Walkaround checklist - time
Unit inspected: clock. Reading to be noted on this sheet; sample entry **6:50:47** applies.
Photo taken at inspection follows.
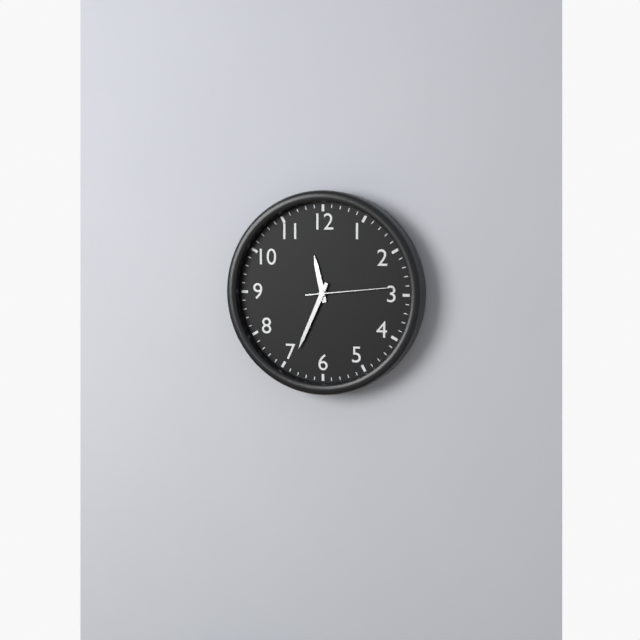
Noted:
**11:34:14**
